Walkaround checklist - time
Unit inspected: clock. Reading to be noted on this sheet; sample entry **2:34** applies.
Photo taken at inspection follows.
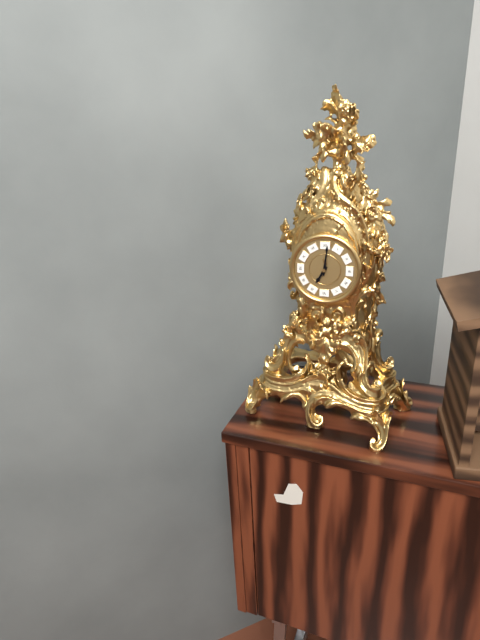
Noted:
**7:01**
